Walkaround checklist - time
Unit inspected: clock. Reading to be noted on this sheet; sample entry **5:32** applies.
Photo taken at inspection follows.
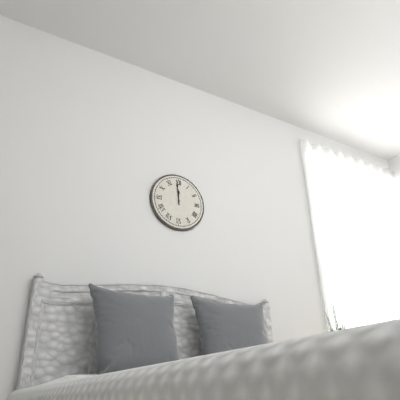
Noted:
**11:59**
